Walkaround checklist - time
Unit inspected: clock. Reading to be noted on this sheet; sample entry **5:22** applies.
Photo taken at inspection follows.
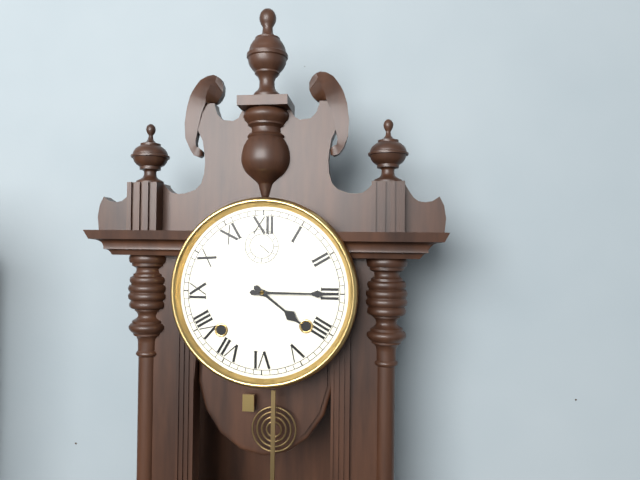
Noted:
**4:15**
